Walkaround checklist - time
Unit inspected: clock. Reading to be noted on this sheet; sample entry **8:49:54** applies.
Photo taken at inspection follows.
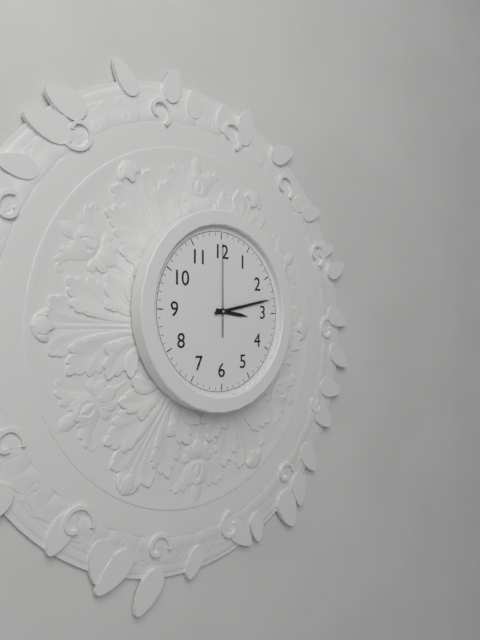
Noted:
**3:13:00**
